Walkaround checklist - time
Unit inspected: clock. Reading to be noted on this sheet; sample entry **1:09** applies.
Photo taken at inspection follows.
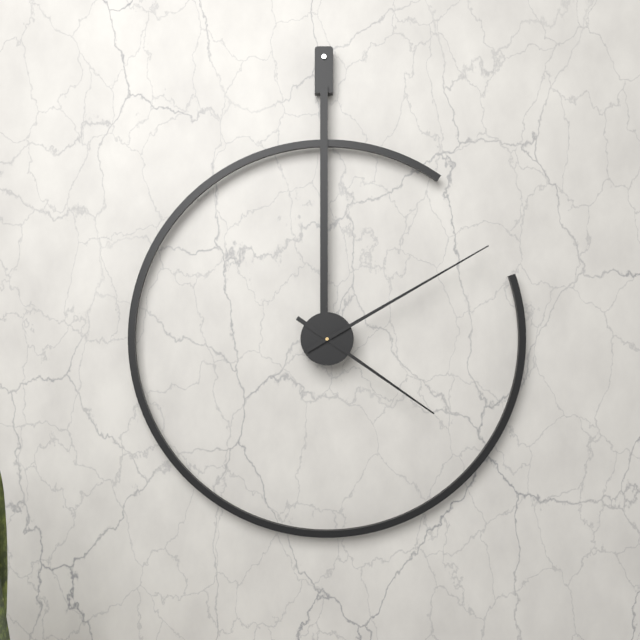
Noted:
**4:10**
